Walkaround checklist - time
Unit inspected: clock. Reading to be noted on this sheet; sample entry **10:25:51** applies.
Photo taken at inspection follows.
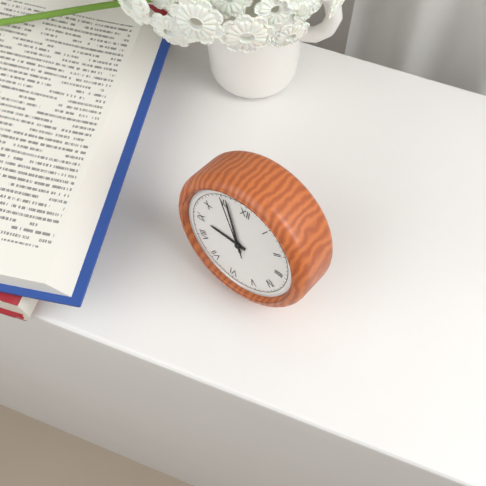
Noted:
**8:56:55**
